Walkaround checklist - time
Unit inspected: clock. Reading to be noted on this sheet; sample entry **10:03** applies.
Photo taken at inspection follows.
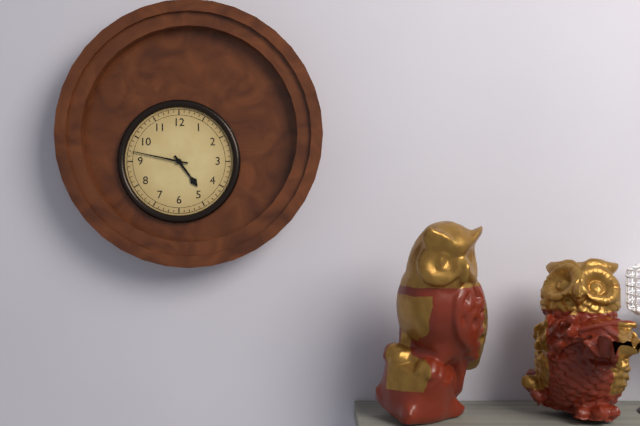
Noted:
**4:47**
